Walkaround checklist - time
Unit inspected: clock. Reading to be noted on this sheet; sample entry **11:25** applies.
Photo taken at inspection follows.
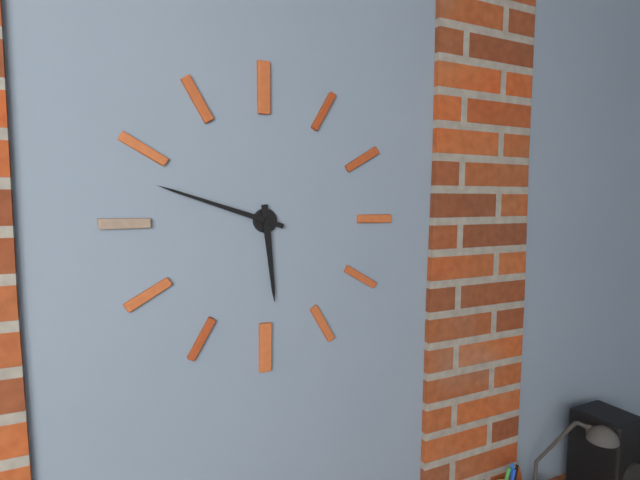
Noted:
**5:48**
